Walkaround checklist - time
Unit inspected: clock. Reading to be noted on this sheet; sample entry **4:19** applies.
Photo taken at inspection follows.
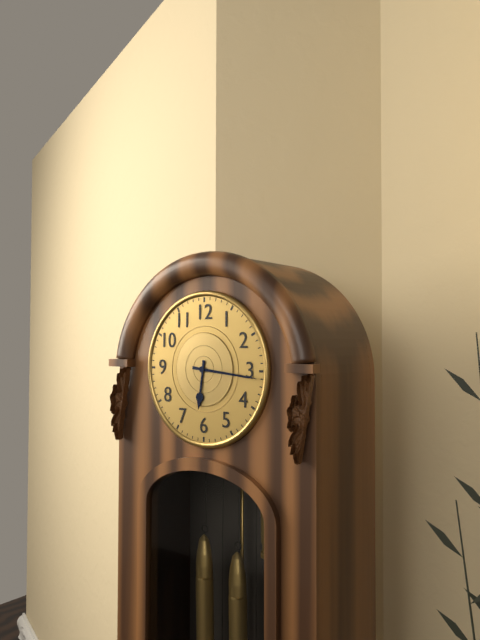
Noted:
**6:16**
